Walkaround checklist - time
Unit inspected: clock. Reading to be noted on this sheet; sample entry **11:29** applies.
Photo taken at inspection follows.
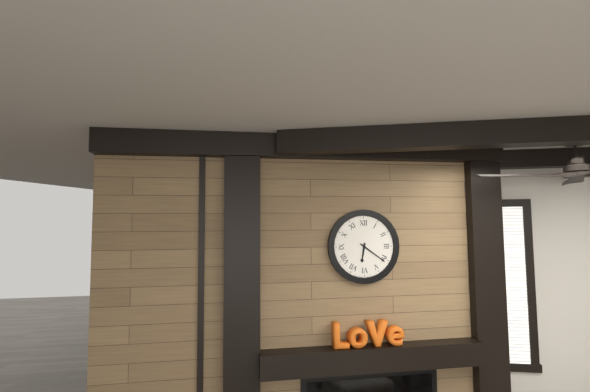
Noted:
**6:21**
